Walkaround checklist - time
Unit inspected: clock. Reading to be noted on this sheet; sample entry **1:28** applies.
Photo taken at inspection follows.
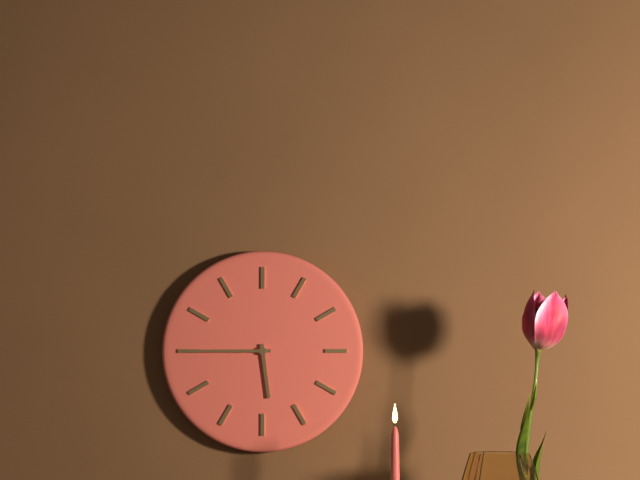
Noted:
**5:45**
